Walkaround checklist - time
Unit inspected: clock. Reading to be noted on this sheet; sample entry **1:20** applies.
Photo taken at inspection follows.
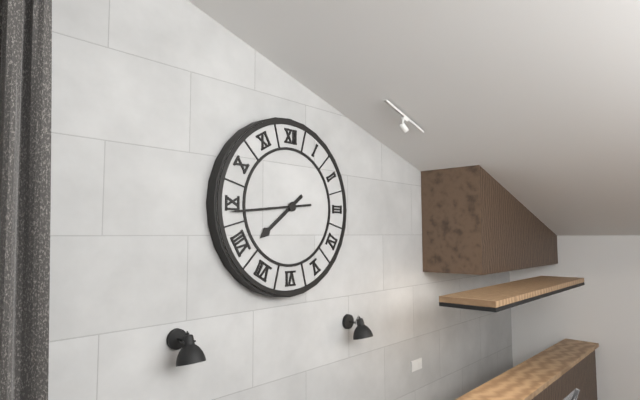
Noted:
**7:44**
